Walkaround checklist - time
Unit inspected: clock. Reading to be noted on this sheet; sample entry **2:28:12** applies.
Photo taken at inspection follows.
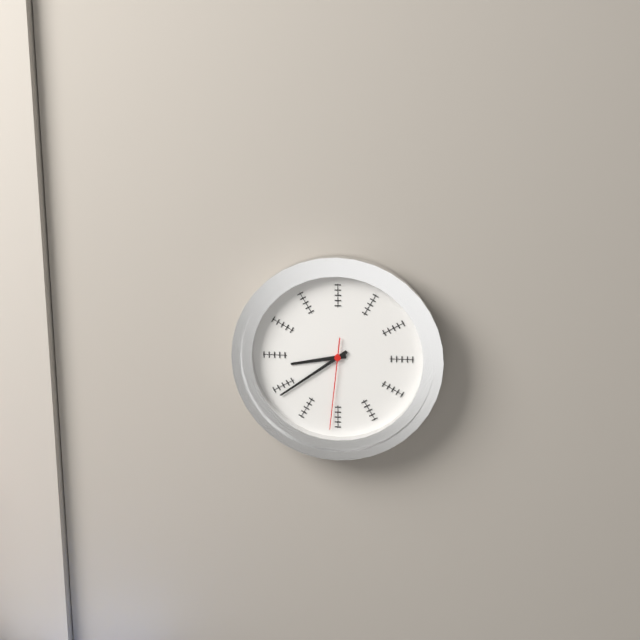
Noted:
**8:39:31**
